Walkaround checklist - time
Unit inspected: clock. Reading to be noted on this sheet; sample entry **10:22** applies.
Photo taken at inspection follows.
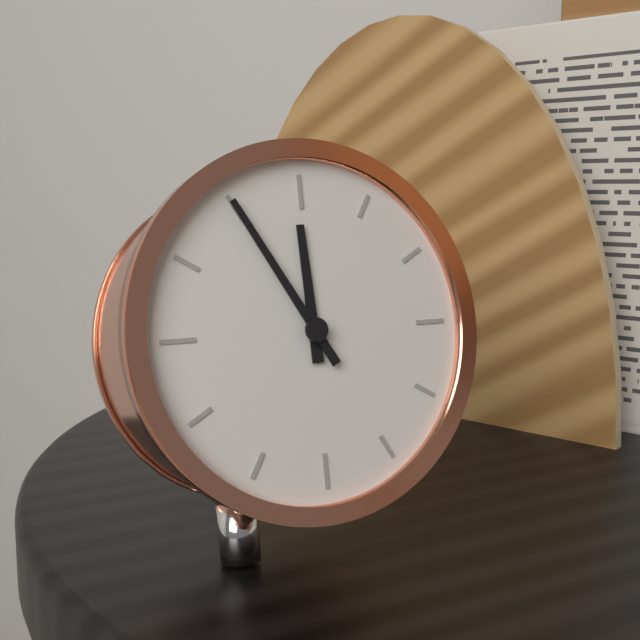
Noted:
**11:55**
